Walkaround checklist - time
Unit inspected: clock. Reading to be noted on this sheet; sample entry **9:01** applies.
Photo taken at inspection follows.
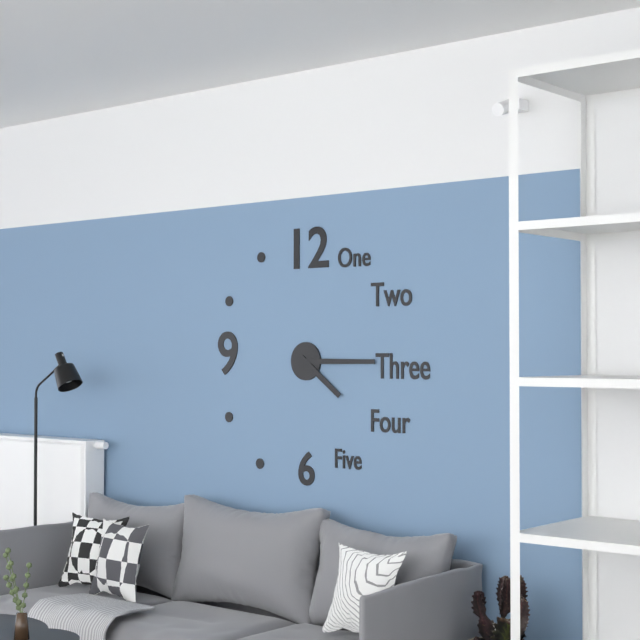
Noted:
**4:15**
